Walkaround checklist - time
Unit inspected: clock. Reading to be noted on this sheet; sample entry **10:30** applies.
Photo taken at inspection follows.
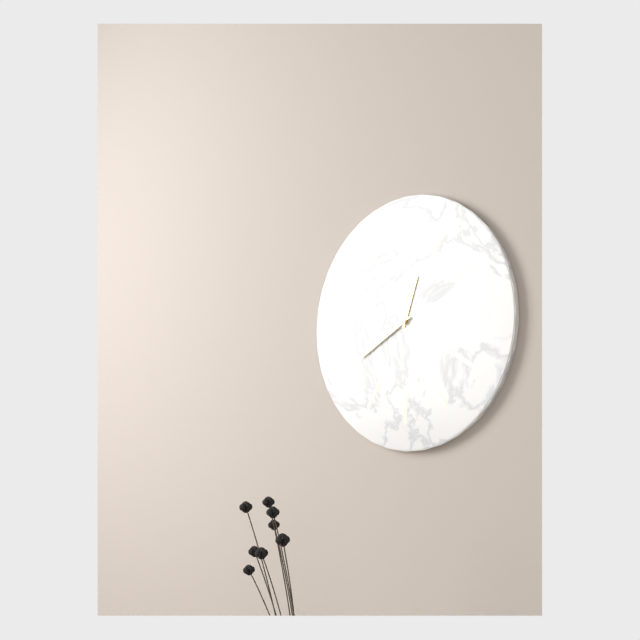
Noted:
**12:40**
